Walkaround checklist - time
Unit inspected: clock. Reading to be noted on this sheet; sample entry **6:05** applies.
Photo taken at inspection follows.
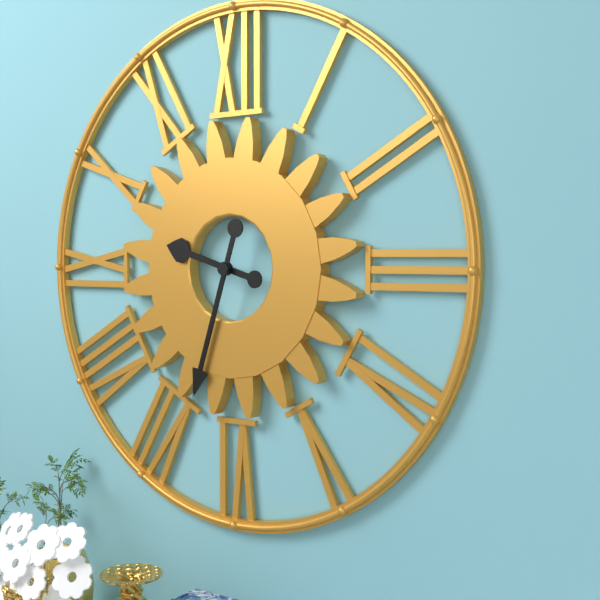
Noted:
**9:33**
